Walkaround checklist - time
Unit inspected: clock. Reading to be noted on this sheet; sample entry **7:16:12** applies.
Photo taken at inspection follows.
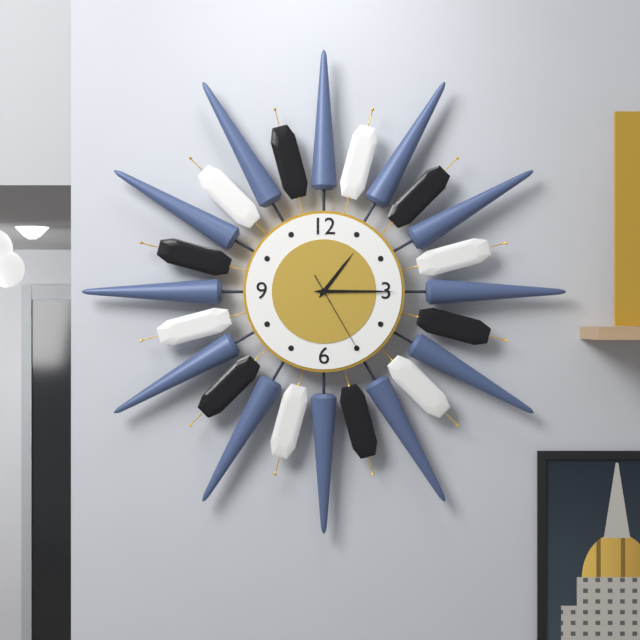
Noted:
**1:15:25**
